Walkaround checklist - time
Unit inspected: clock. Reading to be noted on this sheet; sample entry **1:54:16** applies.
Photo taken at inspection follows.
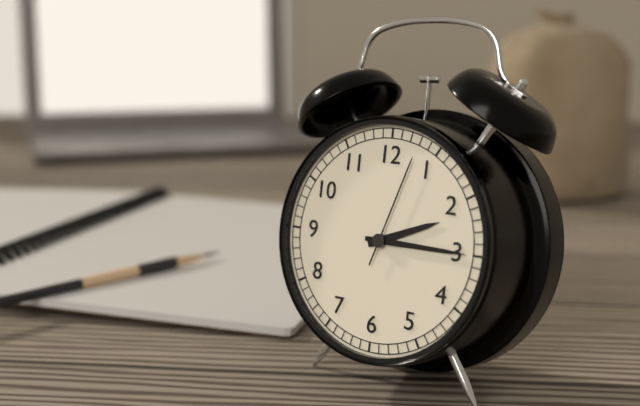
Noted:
**2:15:03**
